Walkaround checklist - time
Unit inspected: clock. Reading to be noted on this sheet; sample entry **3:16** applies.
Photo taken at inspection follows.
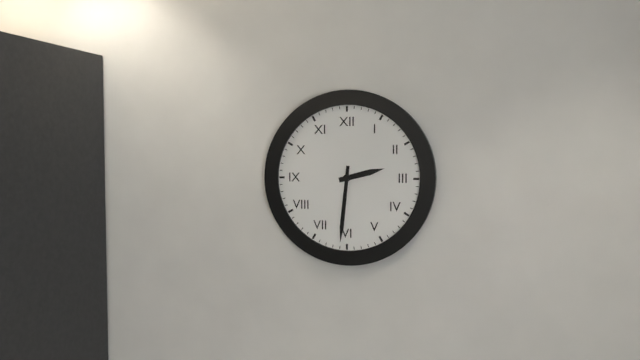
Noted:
**2:31**
